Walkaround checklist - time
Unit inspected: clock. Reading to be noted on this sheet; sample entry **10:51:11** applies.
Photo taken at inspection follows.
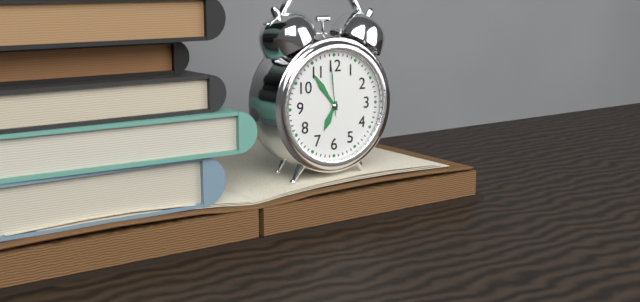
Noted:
**6:54:59**
